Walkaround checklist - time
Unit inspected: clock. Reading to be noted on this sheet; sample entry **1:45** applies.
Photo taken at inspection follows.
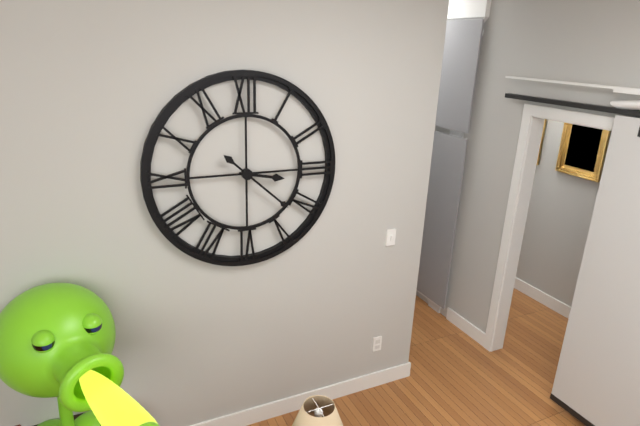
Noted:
**3:22**
